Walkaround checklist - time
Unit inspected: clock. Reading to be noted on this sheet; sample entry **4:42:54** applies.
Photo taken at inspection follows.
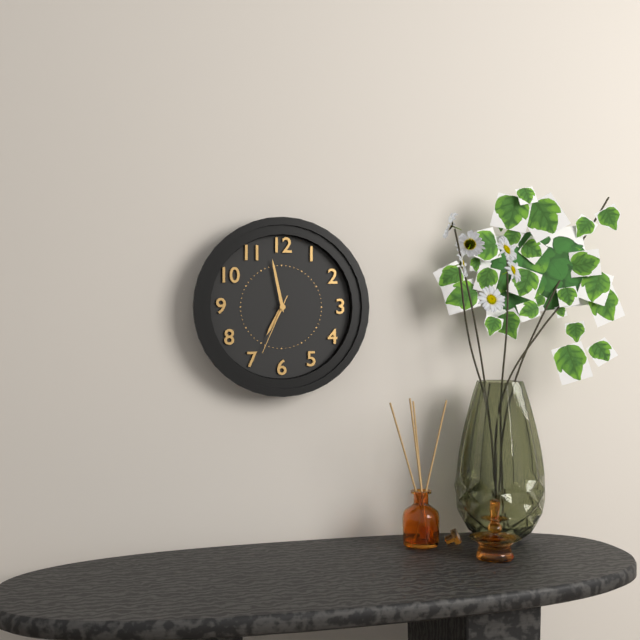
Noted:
**6:58:34**
